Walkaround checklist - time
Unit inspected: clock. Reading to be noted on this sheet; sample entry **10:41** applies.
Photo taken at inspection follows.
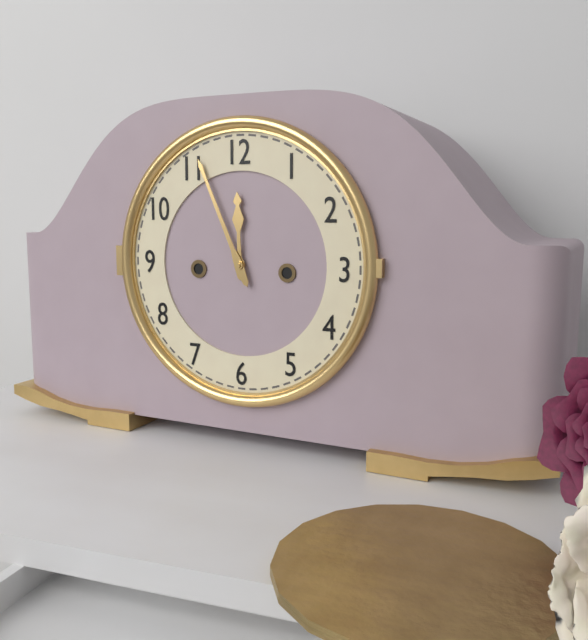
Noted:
**11:56**
